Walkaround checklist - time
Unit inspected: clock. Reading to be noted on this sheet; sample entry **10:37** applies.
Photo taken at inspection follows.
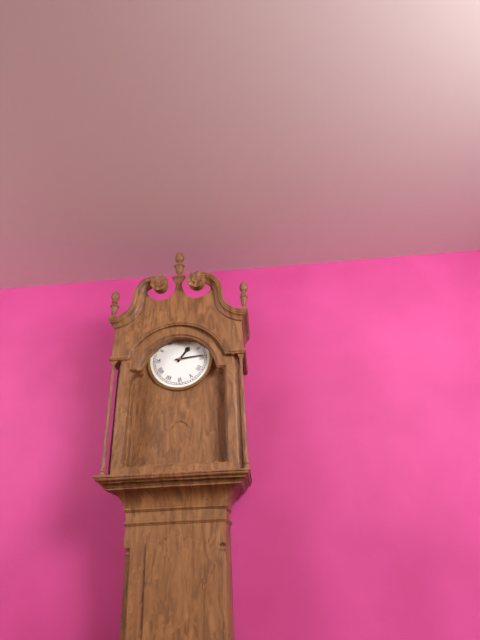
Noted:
**1:14**
